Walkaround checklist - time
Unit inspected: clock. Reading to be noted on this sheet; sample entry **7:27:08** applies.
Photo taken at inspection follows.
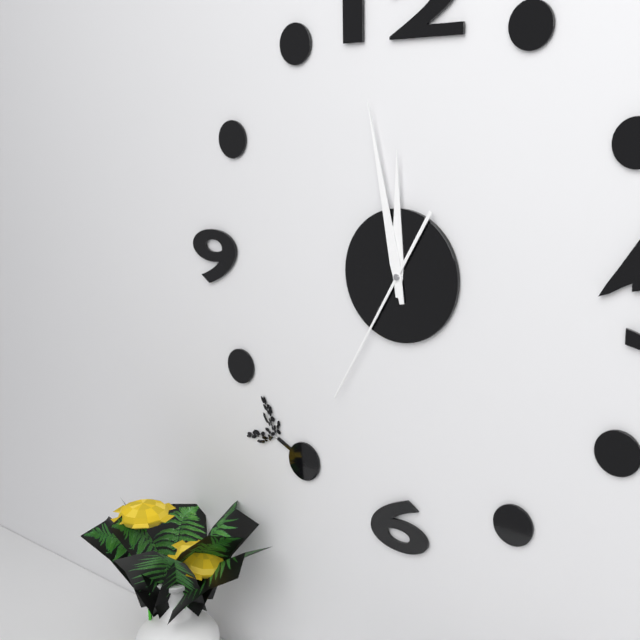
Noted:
**11:58:35**
